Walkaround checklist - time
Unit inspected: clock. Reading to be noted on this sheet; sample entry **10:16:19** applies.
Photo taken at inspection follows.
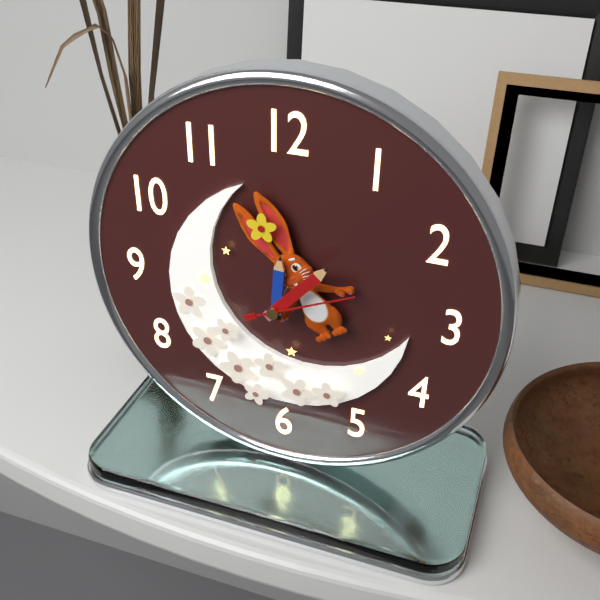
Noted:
**12:07:11**
